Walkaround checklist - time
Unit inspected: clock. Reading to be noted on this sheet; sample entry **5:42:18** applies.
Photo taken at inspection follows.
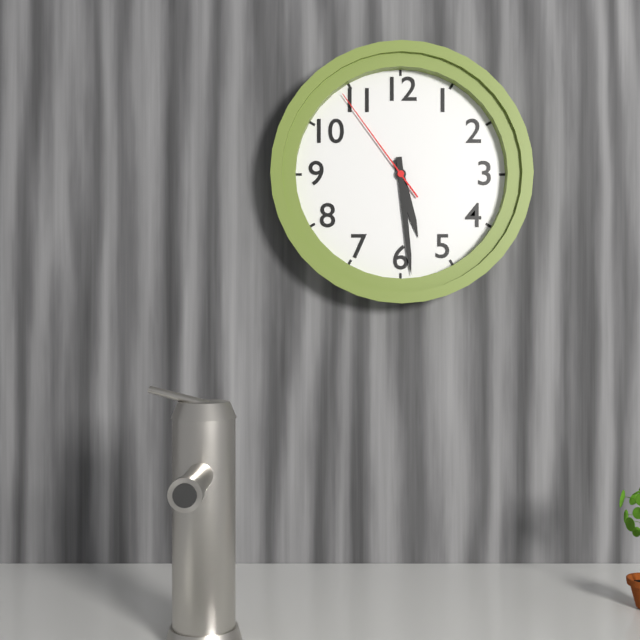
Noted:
**5:29:54**
